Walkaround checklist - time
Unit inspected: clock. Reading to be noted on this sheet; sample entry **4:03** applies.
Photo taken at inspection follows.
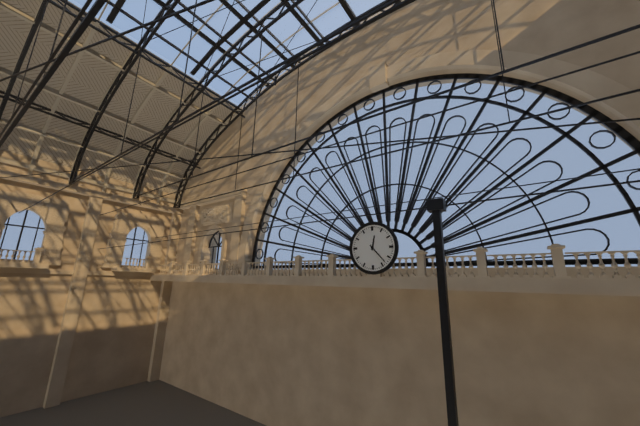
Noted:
**12:23**
